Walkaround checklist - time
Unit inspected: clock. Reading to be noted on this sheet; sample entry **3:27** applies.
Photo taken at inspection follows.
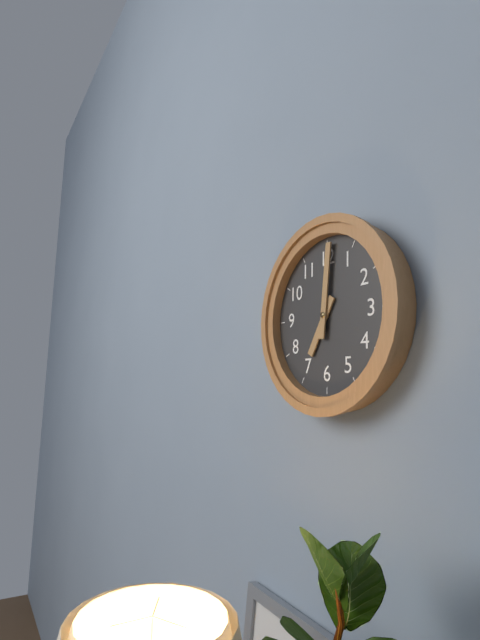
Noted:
**7:01**
